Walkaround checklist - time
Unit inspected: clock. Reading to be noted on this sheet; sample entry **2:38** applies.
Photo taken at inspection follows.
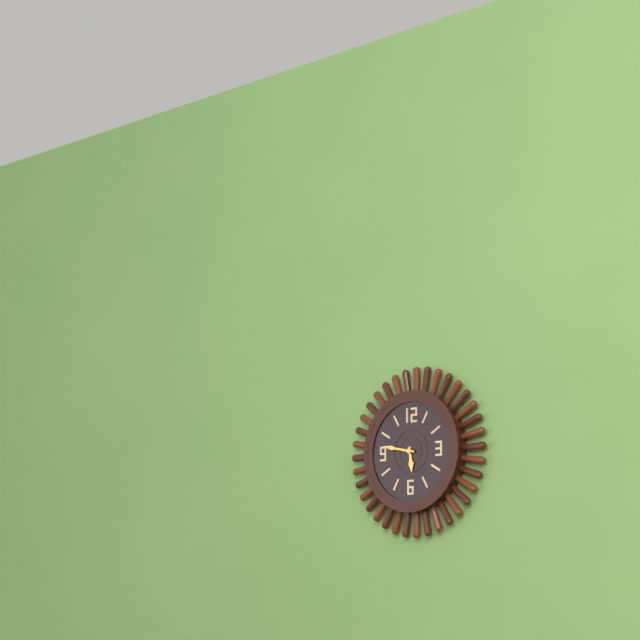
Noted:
**5:47**
